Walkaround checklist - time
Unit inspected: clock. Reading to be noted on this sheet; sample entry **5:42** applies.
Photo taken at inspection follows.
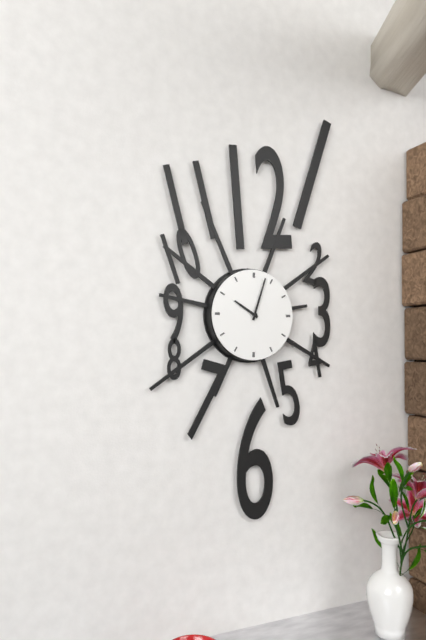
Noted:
**10:03**
